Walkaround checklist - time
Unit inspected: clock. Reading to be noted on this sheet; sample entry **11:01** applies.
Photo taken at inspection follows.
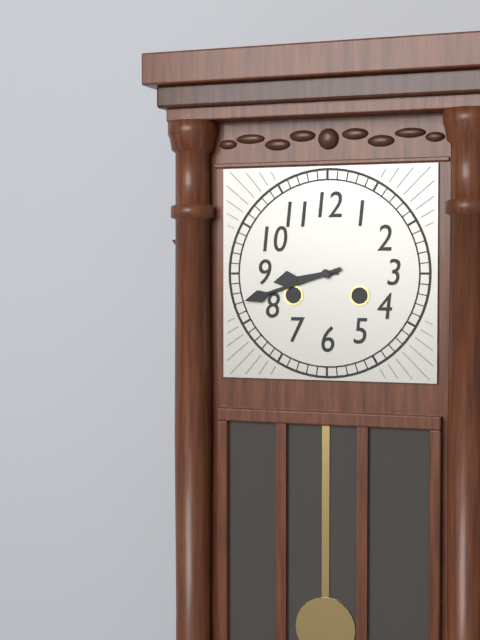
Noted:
**8:42**
